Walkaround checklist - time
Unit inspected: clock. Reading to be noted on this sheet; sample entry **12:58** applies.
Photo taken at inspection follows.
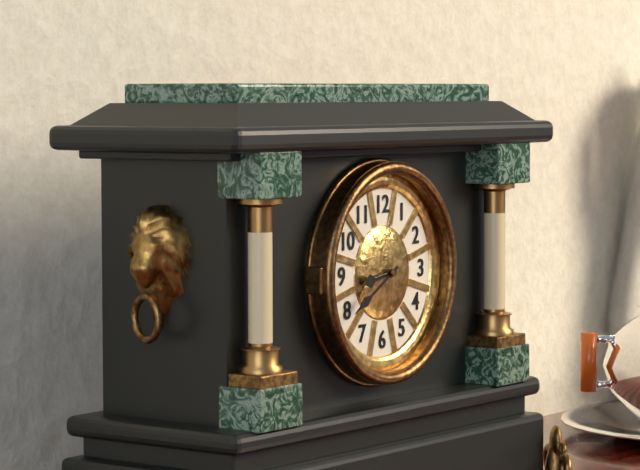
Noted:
**8:40**
